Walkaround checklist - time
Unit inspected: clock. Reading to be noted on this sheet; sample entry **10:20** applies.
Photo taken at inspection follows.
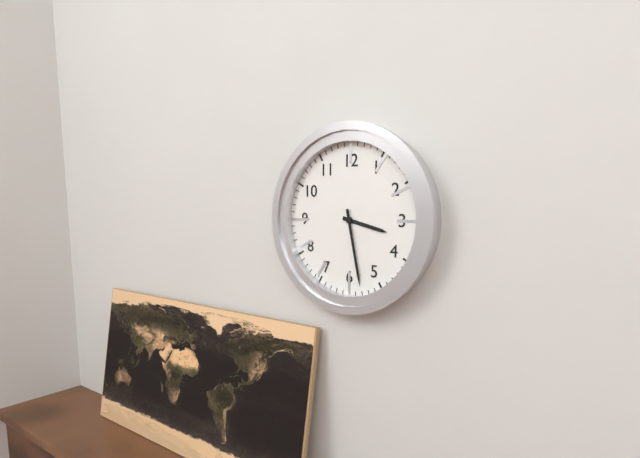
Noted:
**3:28**
